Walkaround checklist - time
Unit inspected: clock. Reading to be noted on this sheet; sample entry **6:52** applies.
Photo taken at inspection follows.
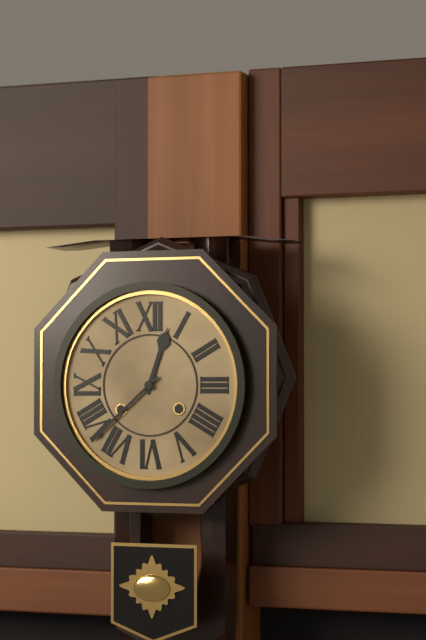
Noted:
**12:38**
